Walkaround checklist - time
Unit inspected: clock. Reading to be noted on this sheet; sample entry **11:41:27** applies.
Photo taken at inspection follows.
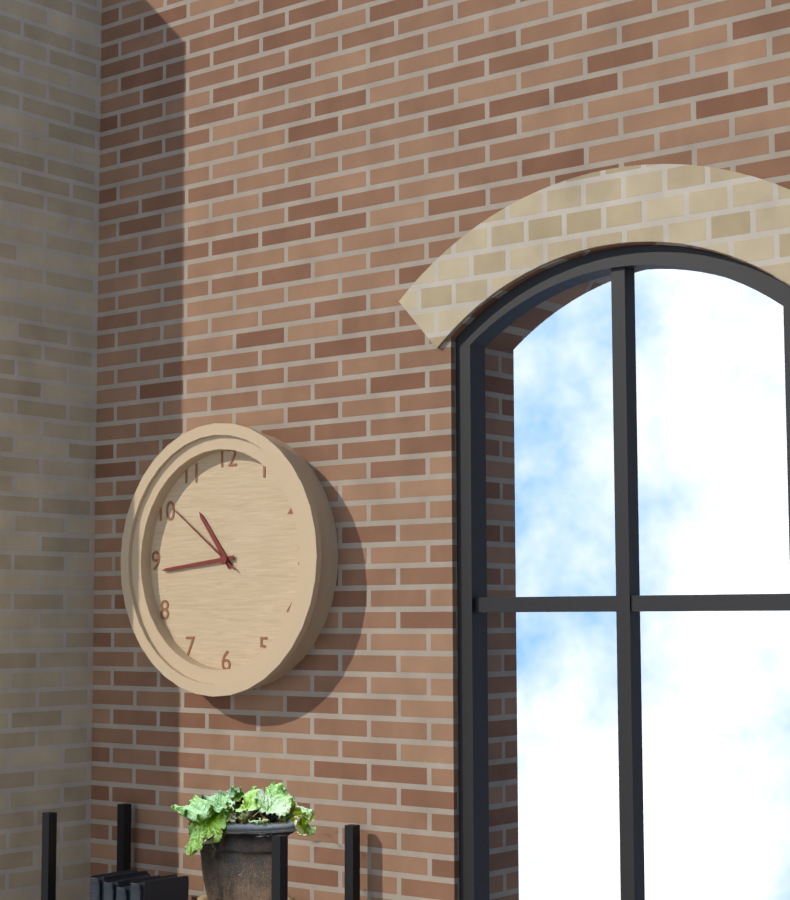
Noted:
**10:44:51**
